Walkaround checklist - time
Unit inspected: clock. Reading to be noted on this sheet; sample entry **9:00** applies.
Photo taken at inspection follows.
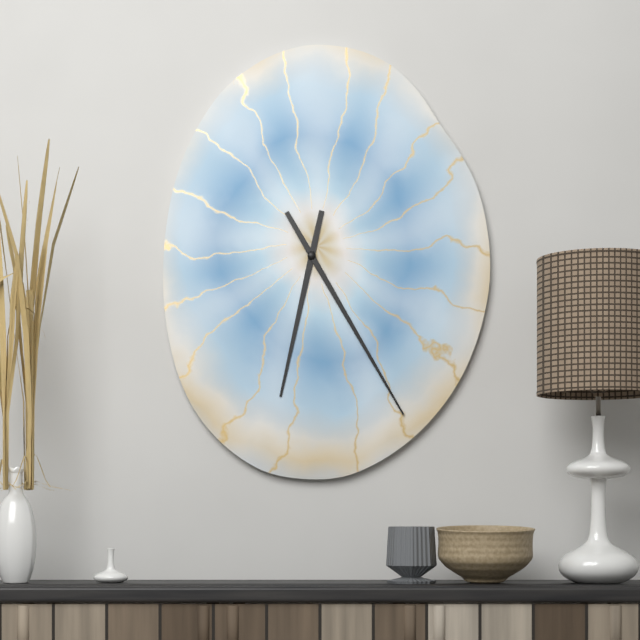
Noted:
**6:25**
